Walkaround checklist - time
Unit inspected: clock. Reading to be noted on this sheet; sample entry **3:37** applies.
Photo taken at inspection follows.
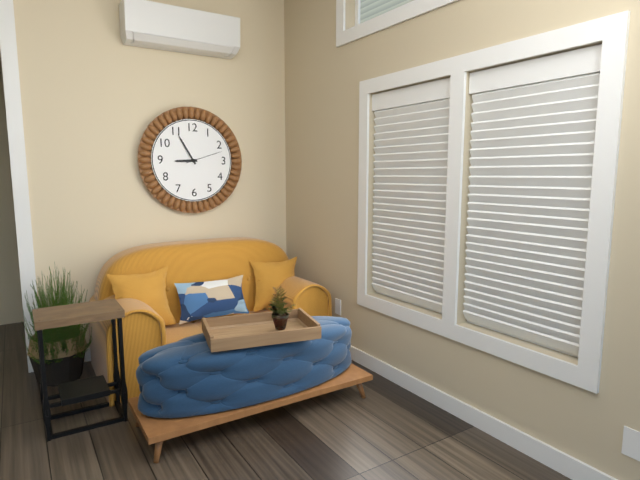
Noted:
**8:55**
